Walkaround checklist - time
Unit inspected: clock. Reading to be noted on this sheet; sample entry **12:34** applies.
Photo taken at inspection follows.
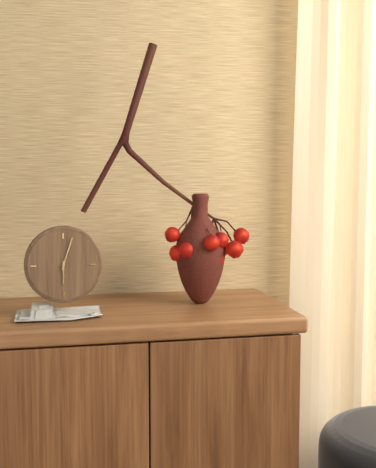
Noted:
**6:03**
